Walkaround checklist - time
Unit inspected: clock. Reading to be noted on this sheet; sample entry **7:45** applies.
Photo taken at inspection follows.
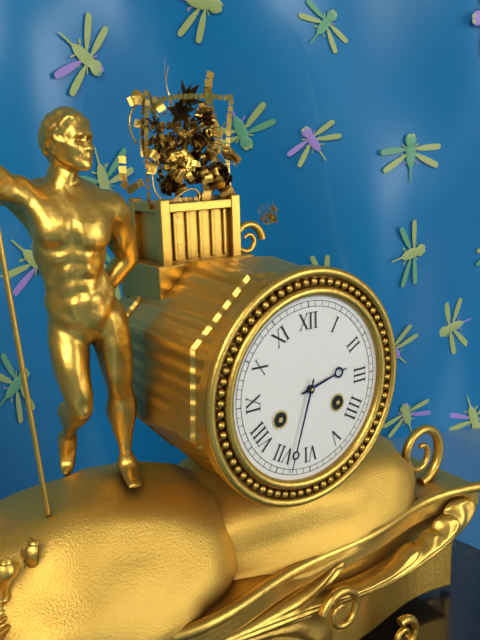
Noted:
**2:33**
